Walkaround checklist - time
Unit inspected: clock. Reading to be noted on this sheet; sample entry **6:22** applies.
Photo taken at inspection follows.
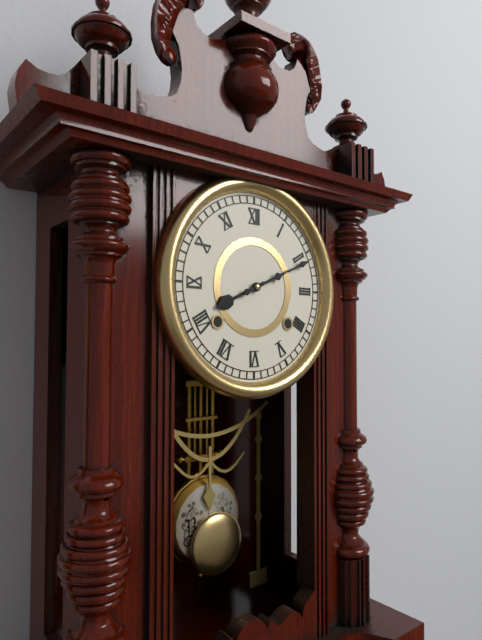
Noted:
**8:11**
